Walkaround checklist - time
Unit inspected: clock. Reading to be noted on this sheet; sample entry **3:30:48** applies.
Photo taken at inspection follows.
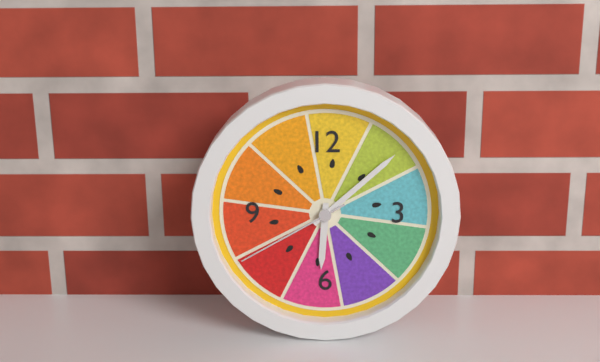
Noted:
**6:08:40**
